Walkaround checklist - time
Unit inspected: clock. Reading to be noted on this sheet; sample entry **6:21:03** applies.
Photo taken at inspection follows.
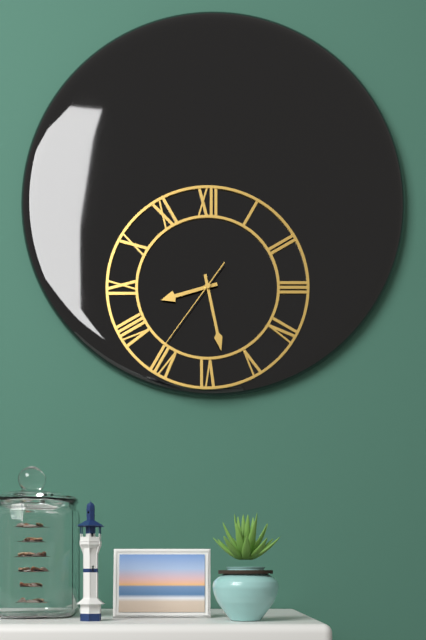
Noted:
**8:28:36**
